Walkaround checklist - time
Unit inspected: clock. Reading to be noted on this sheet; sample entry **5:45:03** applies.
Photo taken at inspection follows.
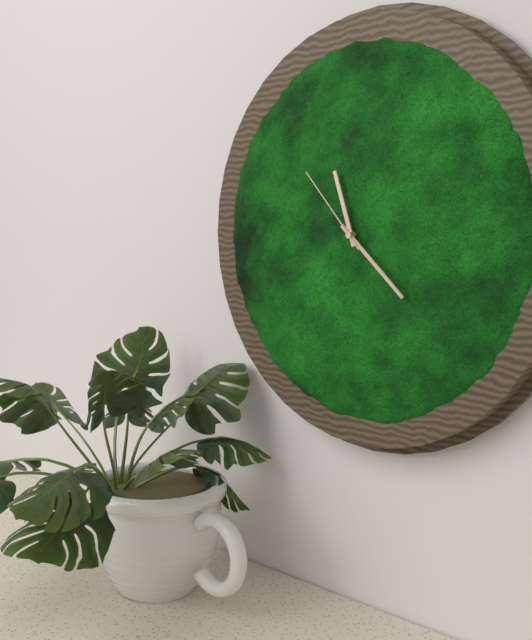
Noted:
**11:22:53**
